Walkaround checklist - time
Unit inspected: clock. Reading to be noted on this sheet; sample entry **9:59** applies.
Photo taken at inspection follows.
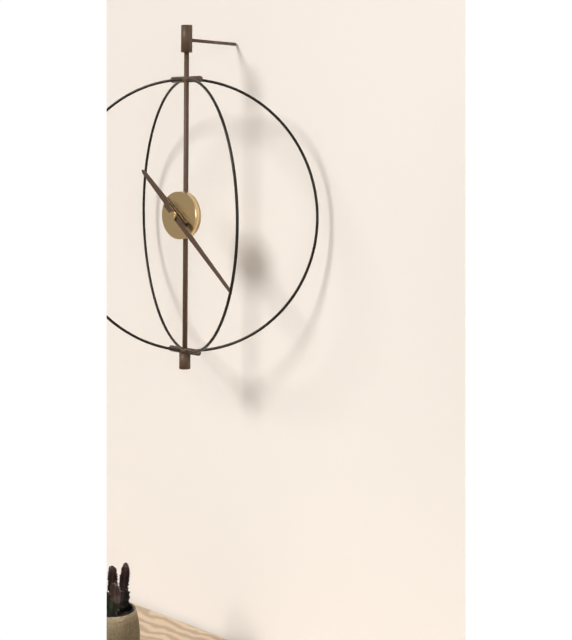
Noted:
**10:22**
